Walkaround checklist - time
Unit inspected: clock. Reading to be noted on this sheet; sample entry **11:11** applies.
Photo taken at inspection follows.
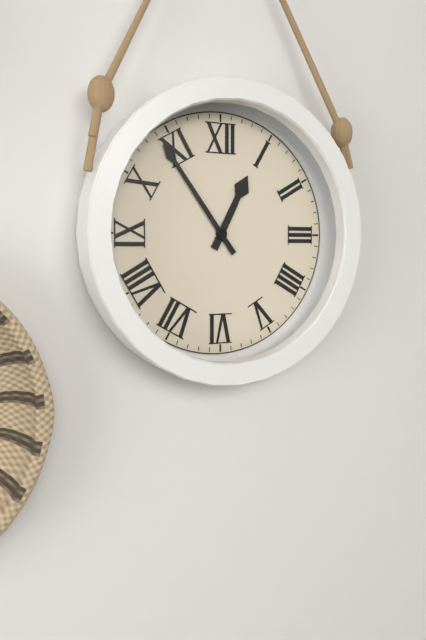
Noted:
**12:54**
